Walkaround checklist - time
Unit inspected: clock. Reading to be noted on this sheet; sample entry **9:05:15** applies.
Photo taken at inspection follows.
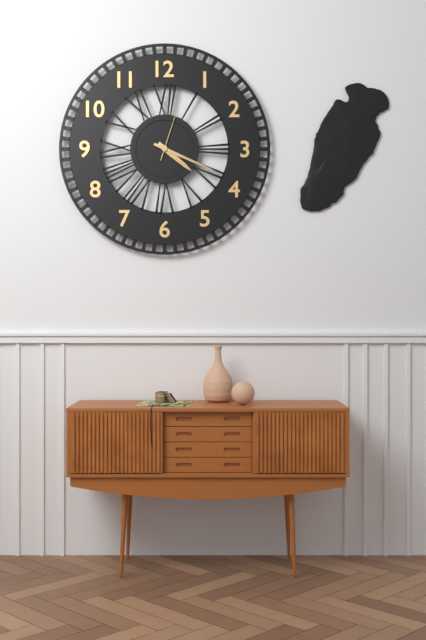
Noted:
**4:19:03**
